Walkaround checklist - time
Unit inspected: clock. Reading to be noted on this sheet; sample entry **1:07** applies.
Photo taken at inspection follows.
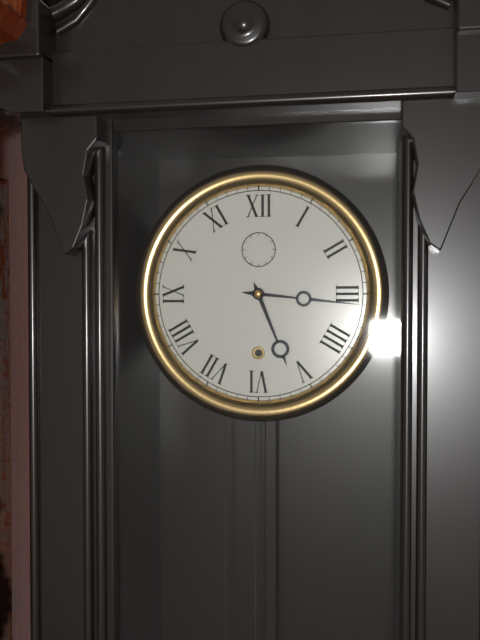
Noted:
**5:16**
